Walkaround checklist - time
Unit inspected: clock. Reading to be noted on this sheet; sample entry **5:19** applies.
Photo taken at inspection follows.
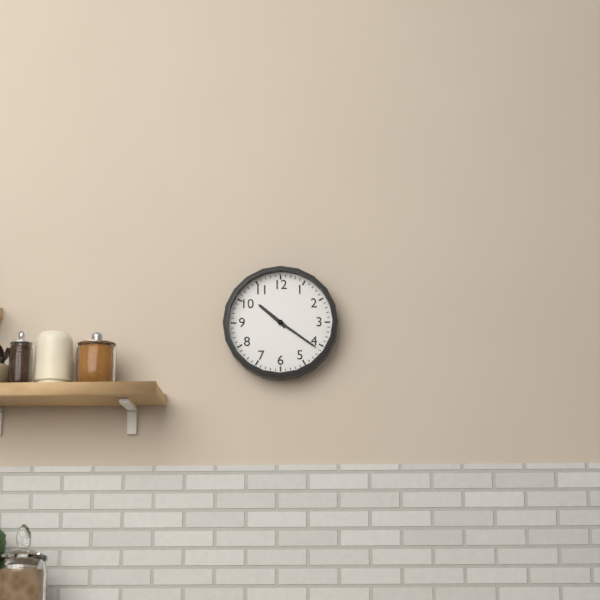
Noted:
**10:21**
